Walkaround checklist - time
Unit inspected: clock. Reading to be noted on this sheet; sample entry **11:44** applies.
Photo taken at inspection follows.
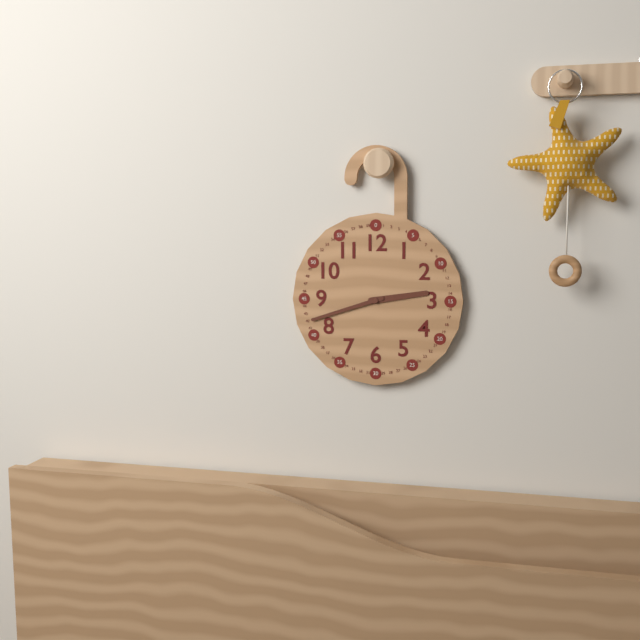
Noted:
**2:42**
